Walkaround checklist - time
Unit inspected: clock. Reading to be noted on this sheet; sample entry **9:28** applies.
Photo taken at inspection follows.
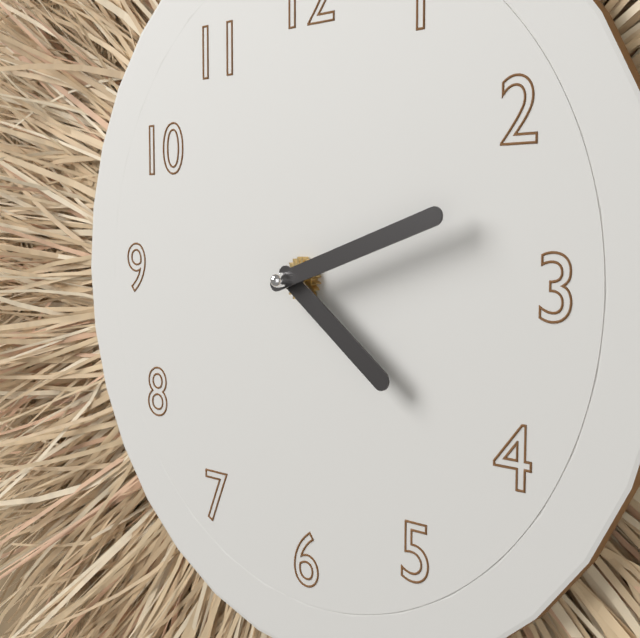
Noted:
**4:12**
